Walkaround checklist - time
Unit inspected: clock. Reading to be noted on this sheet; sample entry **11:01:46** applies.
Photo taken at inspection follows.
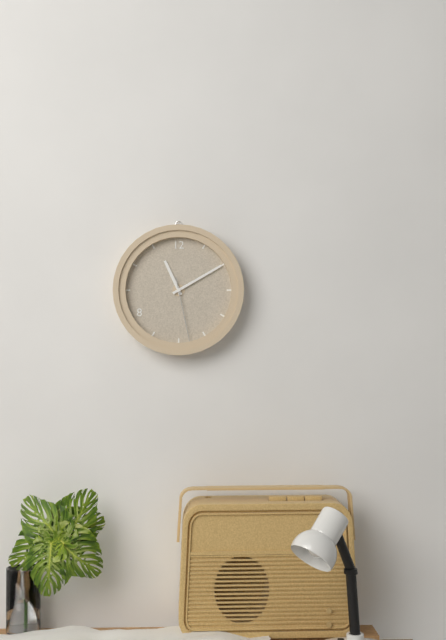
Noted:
**11:10:28**
